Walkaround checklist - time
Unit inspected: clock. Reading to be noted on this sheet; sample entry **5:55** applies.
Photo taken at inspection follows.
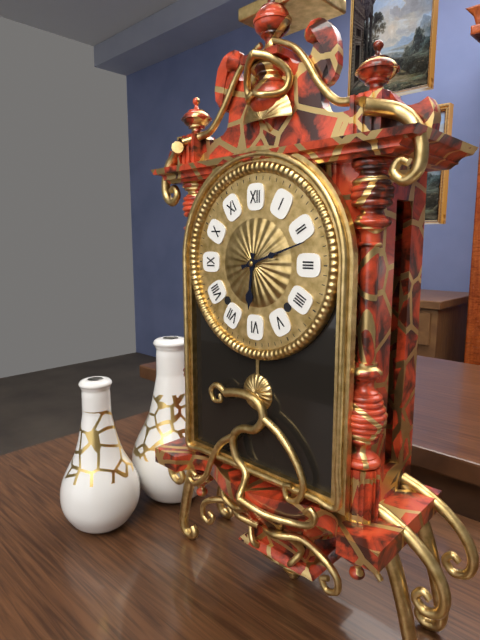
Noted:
**6:12**
